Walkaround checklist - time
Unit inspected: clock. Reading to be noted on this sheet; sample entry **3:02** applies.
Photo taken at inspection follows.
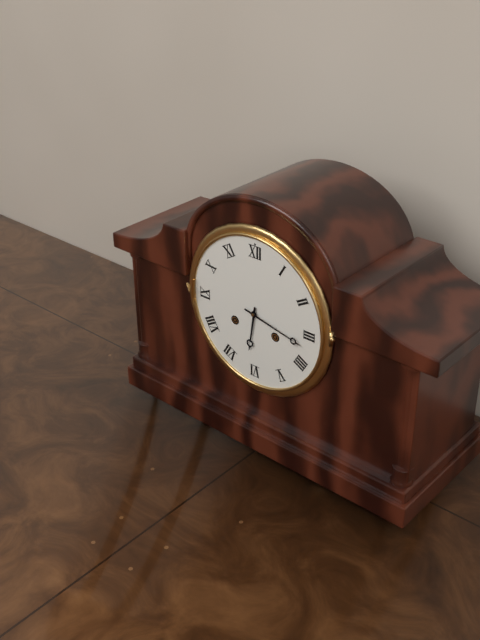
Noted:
**6:17**
